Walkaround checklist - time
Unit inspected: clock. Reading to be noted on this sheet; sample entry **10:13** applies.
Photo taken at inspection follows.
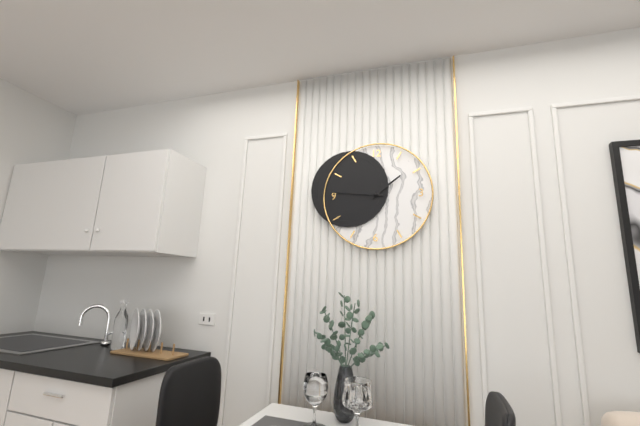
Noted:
**1:46**
